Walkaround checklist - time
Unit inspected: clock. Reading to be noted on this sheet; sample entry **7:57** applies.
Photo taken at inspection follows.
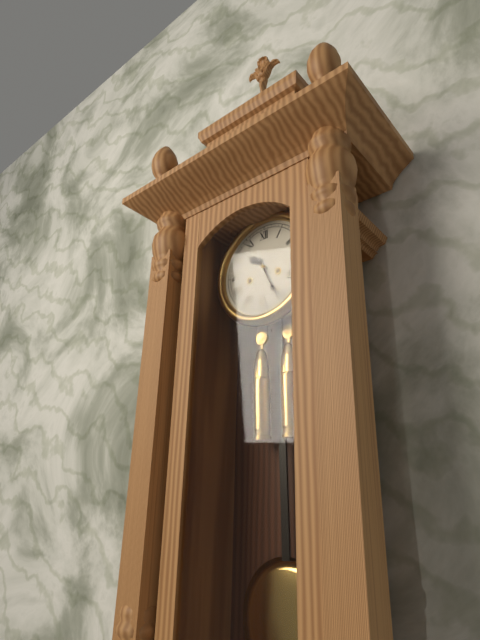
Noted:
**10:26**
